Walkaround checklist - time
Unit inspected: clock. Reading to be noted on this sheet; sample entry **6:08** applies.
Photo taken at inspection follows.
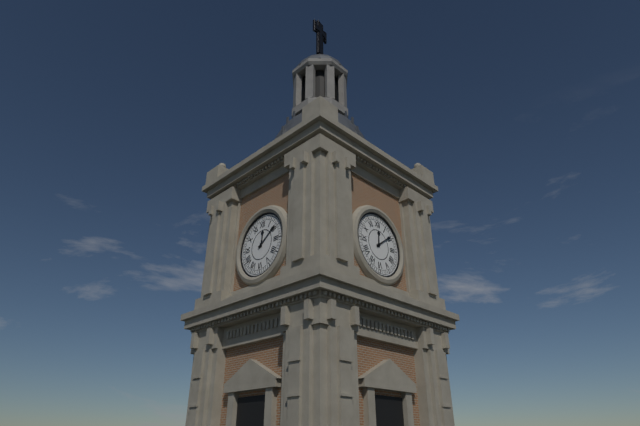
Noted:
**12:09**
